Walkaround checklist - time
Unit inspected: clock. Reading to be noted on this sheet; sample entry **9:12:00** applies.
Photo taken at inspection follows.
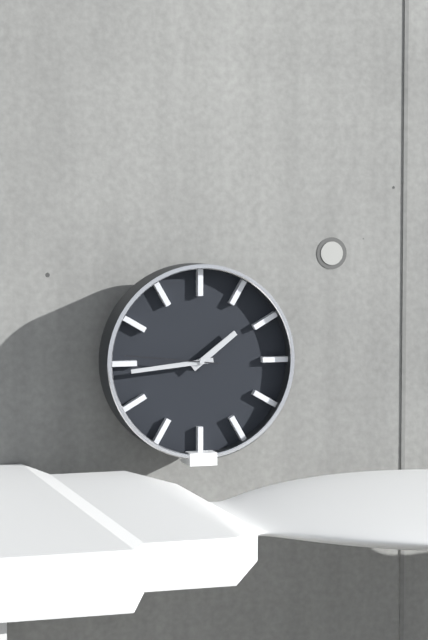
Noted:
**1:44:46**
